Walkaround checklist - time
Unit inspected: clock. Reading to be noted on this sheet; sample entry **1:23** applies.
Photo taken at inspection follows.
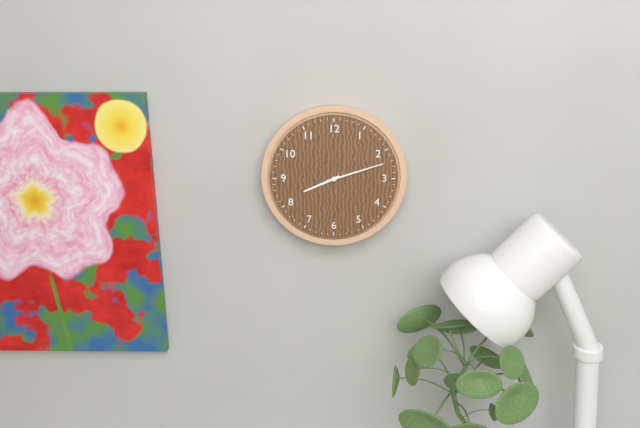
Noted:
**8:12**
